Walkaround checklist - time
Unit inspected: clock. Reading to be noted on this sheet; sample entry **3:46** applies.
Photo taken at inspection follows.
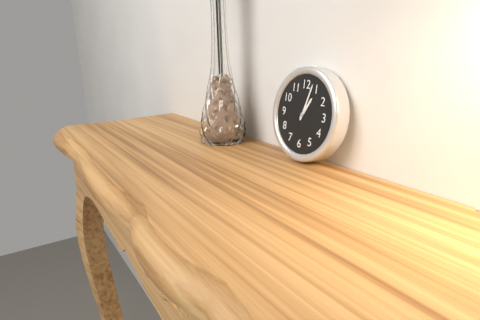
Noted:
**1:03**
